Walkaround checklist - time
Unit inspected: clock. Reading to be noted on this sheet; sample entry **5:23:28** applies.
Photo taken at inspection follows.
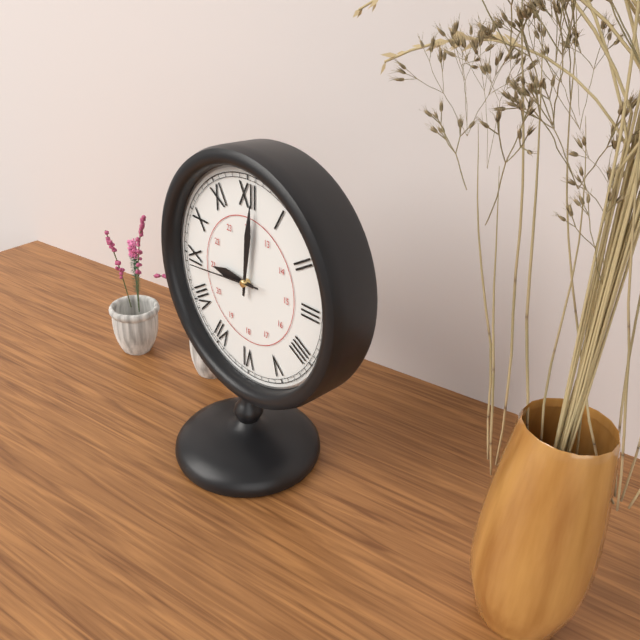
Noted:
**9:01:44**
